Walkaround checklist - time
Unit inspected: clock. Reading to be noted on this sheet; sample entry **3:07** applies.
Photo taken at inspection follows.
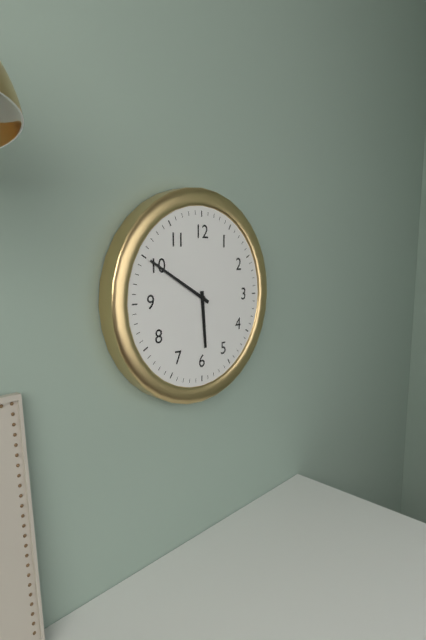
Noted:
**5:50**
